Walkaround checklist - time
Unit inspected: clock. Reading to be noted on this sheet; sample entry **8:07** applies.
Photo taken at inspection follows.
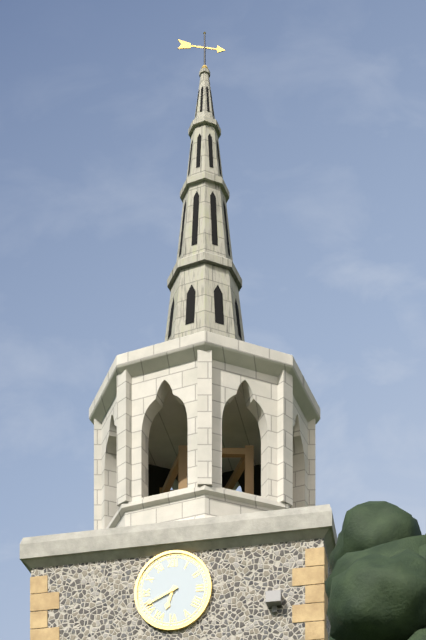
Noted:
**6:41**
